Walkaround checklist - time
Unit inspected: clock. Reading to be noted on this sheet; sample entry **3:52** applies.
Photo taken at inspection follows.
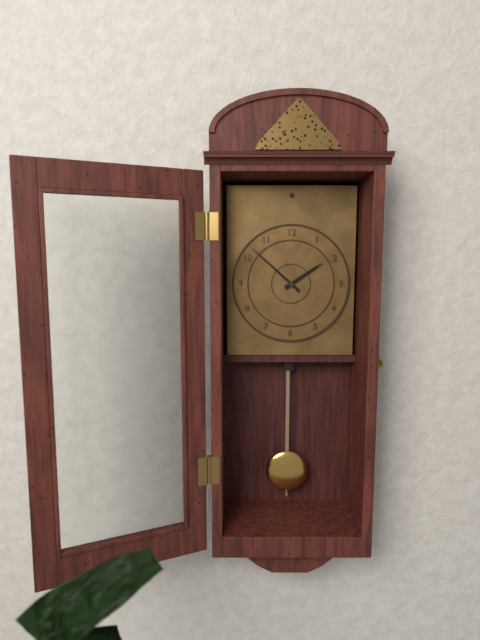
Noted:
**1:52**
